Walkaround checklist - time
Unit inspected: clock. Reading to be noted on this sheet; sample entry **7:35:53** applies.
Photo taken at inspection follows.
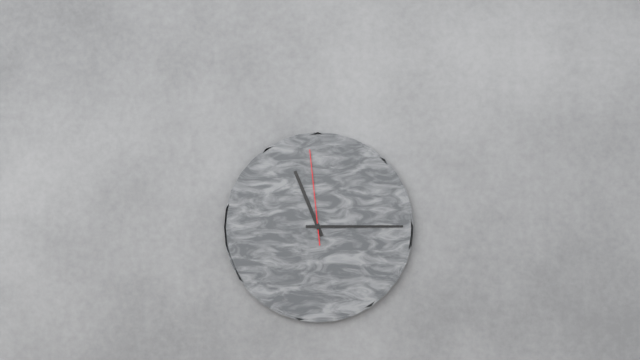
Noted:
**11:15:59**
